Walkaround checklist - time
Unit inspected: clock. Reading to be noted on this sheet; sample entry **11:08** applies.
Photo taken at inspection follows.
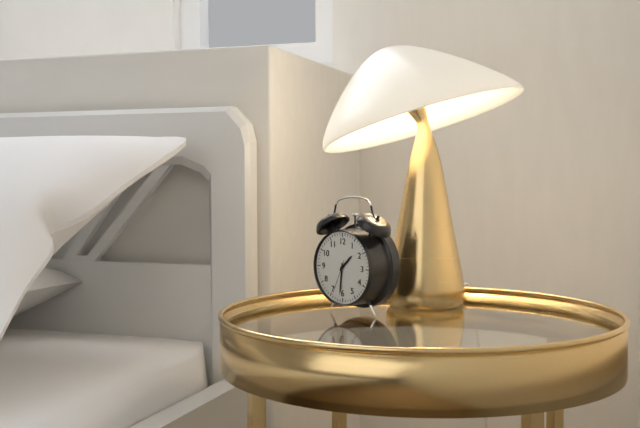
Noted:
**1:31**
